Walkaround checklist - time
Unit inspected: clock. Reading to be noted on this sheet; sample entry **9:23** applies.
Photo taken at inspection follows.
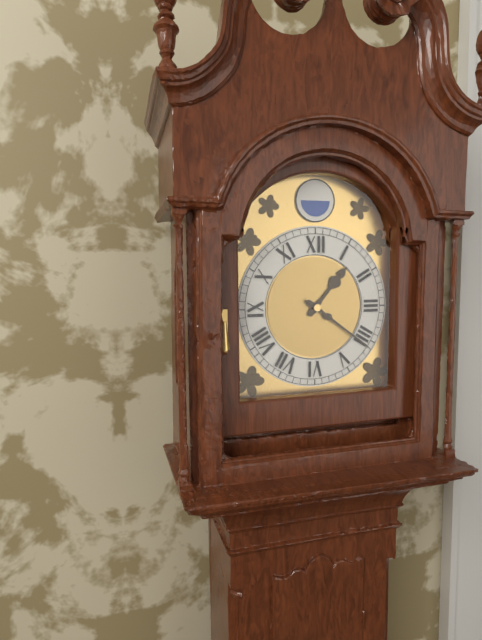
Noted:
**1:21**
